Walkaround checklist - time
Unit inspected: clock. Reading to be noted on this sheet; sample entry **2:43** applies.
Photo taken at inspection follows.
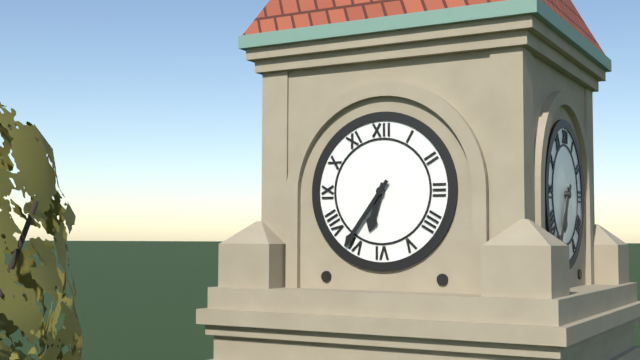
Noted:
**6:36**
